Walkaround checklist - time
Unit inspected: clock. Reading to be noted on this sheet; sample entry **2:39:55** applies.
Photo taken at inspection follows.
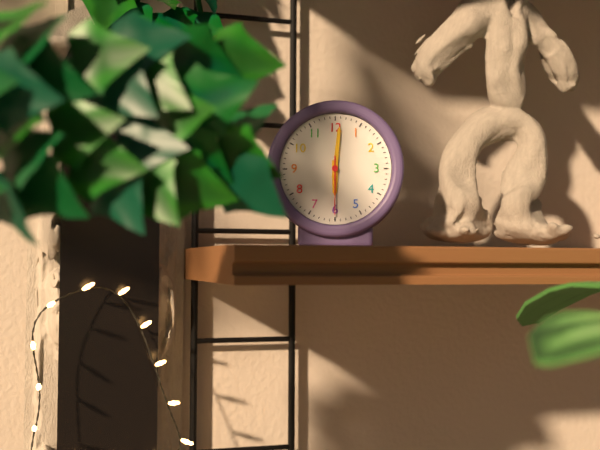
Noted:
**6:01:30**
